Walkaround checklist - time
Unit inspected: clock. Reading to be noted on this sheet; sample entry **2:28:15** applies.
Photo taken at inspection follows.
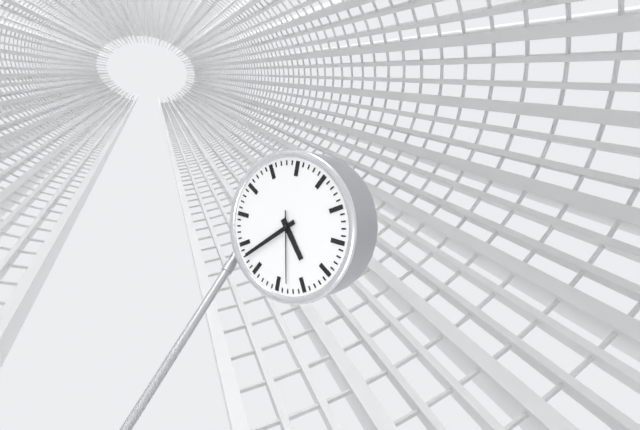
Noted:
**4:38:28**
